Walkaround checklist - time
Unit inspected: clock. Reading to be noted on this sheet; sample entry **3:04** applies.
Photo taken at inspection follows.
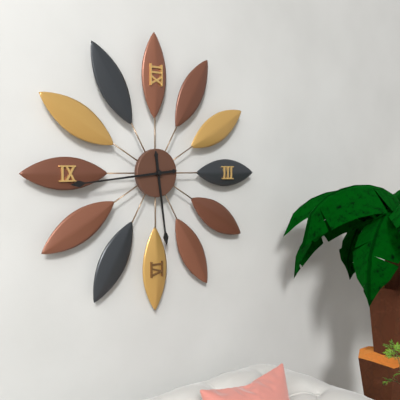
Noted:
**5:44**
